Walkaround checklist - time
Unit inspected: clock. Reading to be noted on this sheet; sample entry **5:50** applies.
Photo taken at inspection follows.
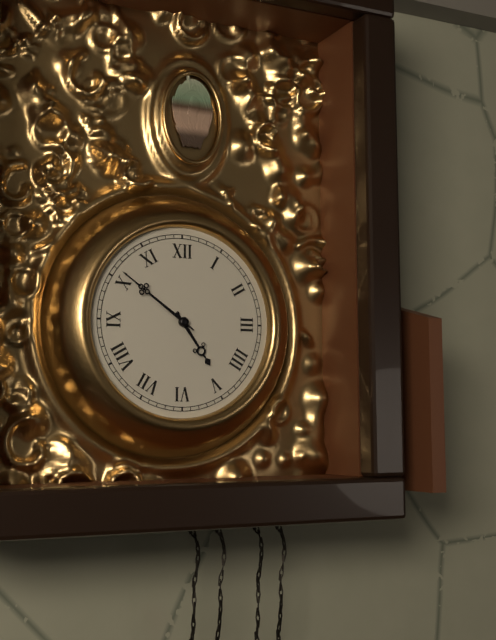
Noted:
**4:51**
